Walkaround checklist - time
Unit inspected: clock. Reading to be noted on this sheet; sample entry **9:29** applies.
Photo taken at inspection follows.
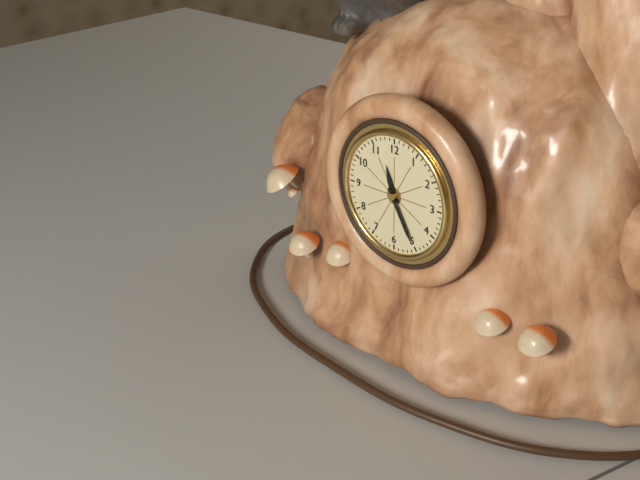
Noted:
**11:25**
